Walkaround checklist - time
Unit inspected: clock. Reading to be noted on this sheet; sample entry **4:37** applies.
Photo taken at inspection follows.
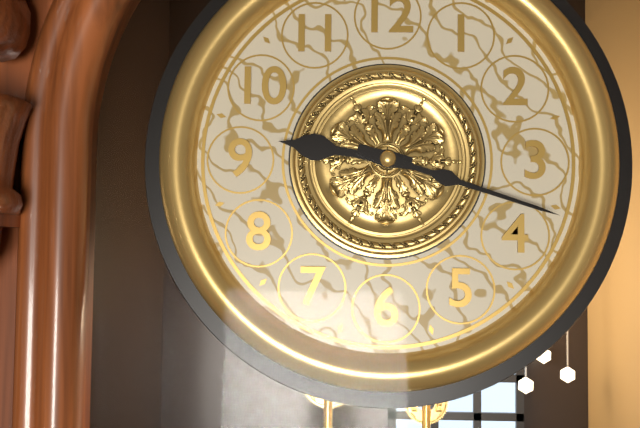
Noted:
**9:18**
